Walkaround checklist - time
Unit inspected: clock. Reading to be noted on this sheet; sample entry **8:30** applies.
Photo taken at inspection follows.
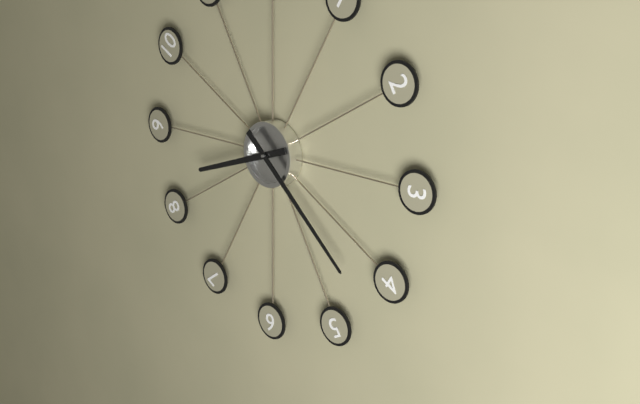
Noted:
**8:22**
